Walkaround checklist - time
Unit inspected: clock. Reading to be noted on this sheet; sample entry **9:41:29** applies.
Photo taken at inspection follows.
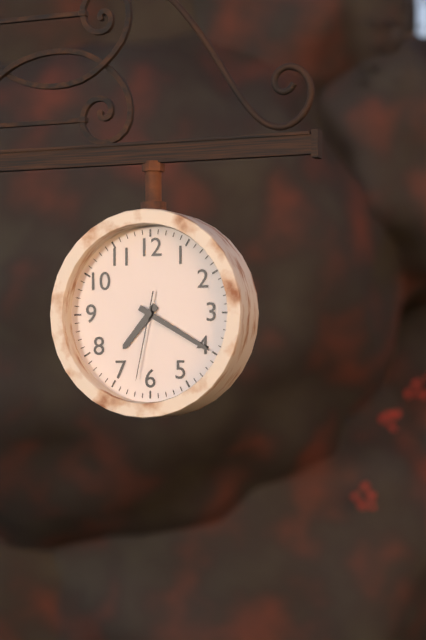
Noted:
**7:20:32**
